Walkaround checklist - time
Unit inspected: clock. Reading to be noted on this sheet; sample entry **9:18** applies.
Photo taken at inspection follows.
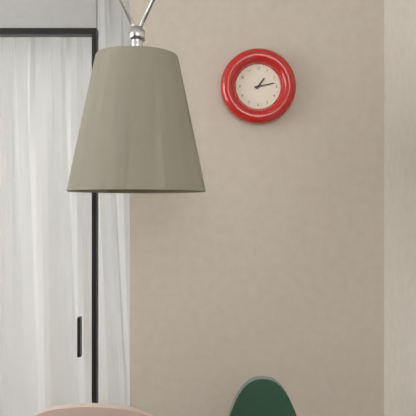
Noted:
**1:13**
